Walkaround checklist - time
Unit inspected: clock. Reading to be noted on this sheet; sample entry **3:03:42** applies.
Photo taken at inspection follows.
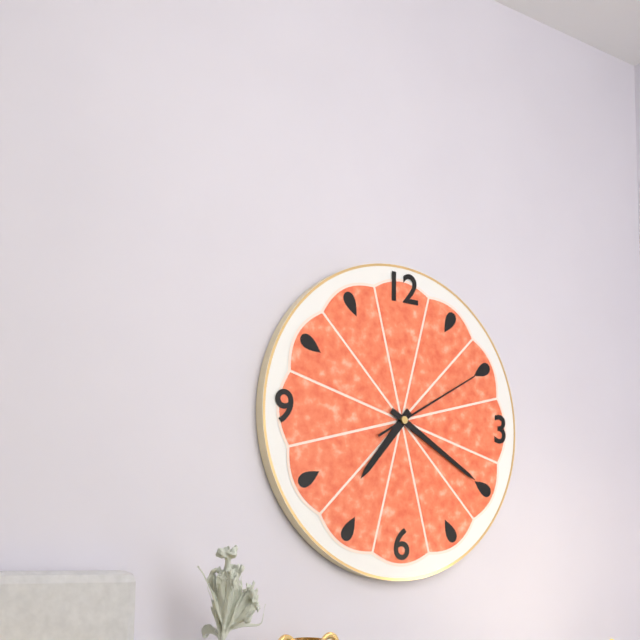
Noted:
**7:20:10**
